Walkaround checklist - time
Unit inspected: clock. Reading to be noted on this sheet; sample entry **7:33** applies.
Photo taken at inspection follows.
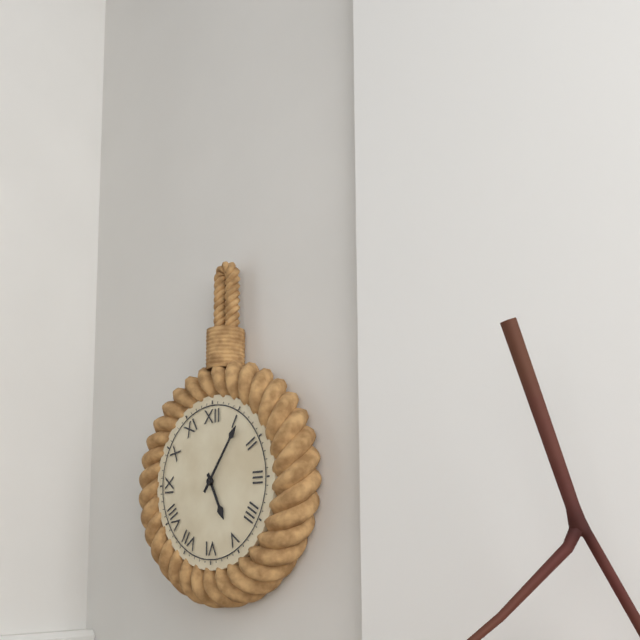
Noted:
**5:06**
